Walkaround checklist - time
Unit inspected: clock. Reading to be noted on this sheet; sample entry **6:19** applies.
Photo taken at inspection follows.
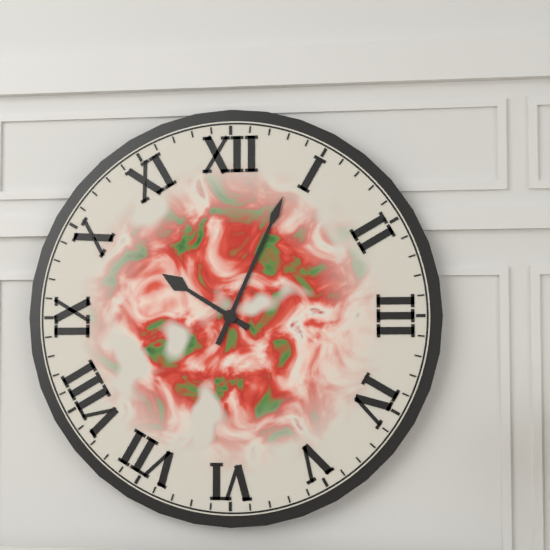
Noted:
**10:04**
